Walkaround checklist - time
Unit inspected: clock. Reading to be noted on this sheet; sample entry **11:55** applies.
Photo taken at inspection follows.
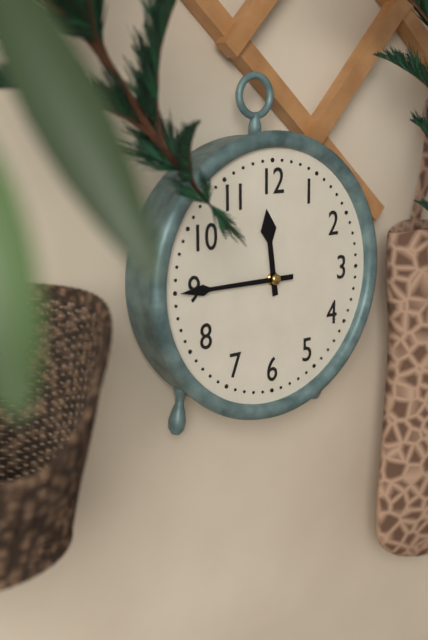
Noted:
**11:45**
